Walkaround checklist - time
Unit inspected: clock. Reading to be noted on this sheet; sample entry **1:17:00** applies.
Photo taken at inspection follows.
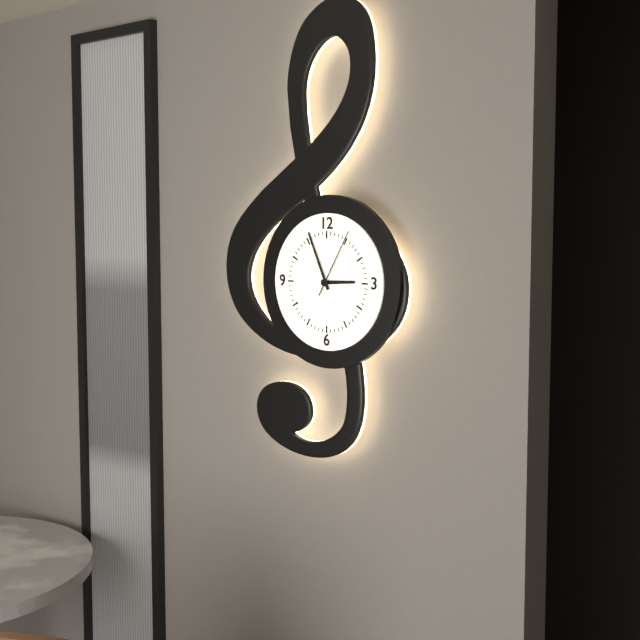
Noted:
**2:56:05**
